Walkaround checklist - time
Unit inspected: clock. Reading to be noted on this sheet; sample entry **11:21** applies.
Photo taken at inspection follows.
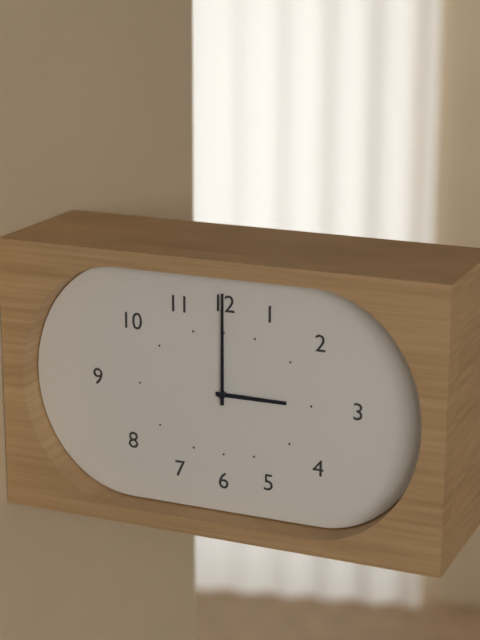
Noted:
**3:00**
